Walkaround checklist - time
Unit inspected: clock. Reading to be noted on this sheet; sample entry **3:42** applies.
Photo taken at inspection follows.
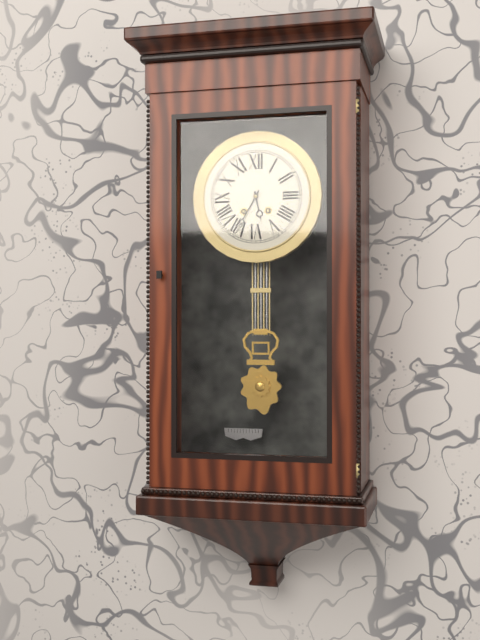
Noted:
**5:35**
